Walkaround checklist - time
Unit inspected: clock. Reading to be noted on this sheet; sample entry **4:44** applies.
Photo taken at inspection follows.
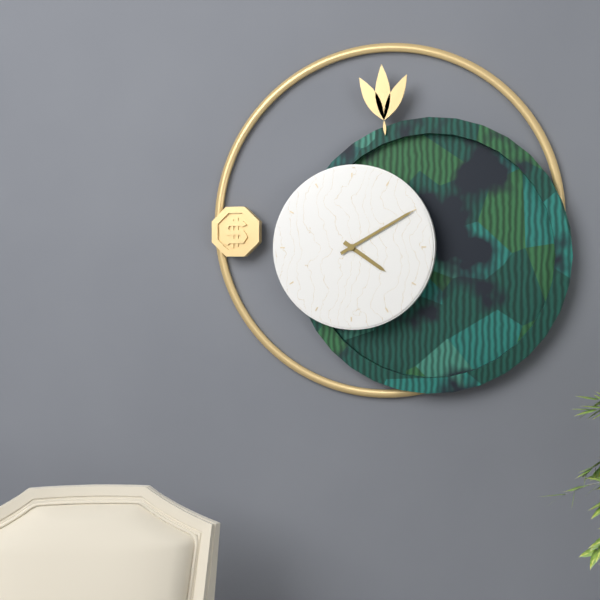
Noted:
**4:10**
